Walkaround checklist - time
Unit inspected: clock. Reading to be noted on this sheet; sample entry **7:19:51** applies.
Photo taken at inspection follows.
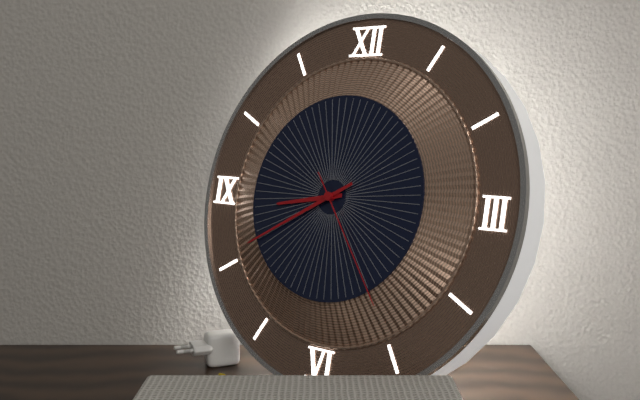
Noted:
**8:40:24**
